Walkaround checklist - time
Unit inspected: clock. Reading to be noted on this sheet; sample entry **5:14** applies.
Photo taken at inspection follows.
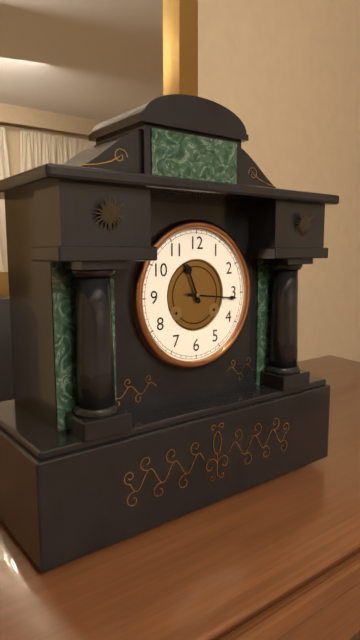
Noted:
**11:16**
